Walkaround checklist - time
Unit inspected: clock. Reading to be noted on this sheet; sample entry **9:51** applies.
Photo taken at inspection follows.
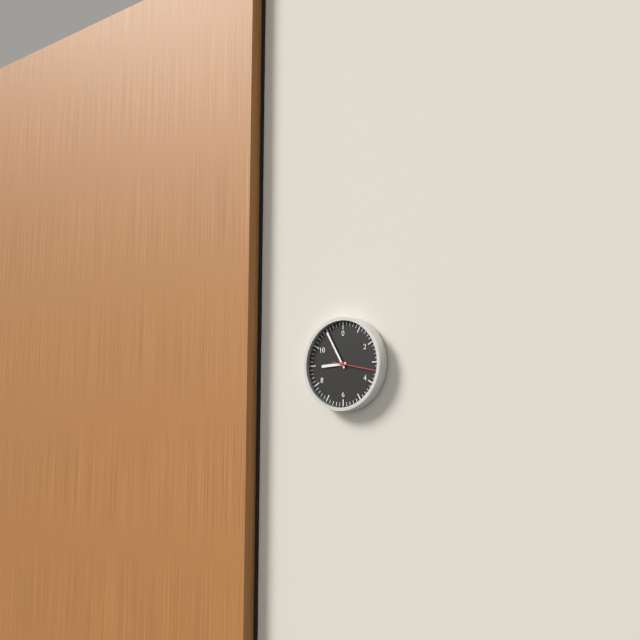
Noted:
**8:55**
